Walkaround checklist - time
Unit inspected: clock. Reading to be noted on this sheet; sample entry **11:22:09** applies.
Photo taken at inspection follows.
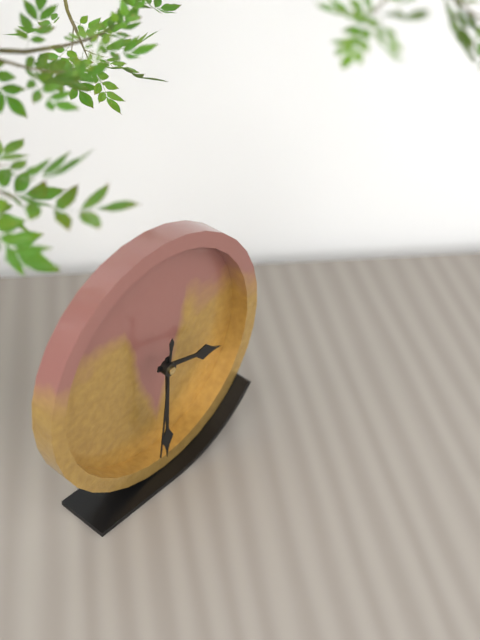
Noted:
**3:30:31**
